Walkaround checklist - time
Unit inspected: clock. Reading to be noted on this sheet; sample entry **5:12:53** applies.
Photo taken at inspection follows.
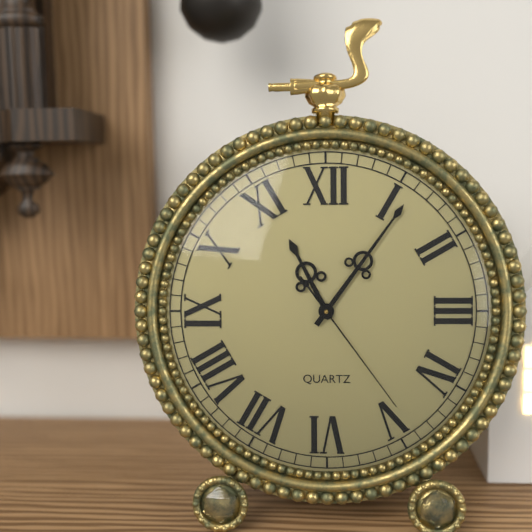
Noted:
**11:06:24**
